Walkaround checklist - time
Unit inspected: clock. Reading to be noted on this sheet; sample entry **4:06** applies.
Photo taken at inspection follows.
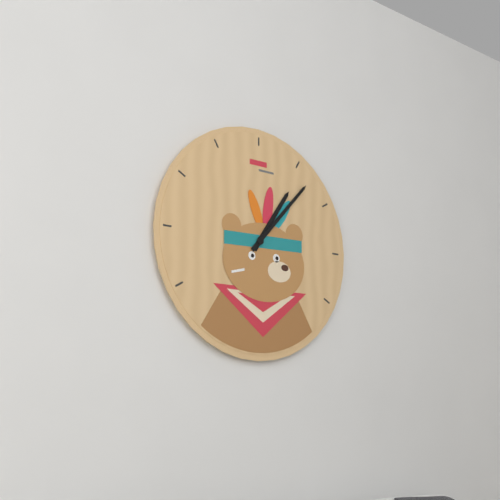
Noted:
**1:07**
